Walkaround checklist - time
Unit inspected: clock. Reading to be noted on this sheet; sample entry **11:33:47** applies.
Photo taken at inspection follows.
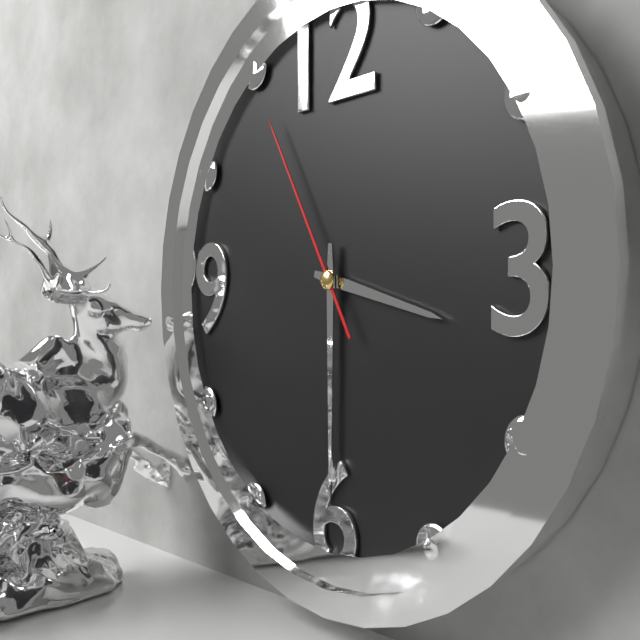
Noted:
**3:30:55**
